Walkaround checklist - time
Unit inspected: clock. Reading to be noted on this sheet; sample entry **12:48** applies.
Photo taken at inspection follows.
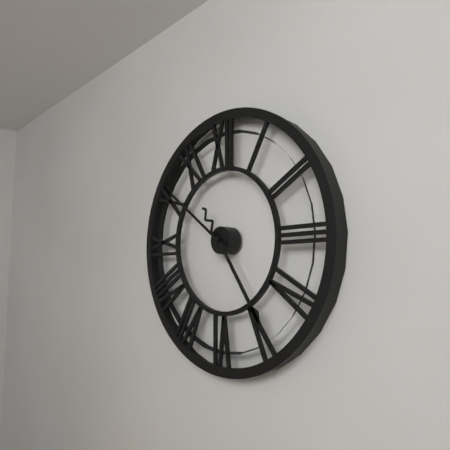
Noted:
**4:51**
